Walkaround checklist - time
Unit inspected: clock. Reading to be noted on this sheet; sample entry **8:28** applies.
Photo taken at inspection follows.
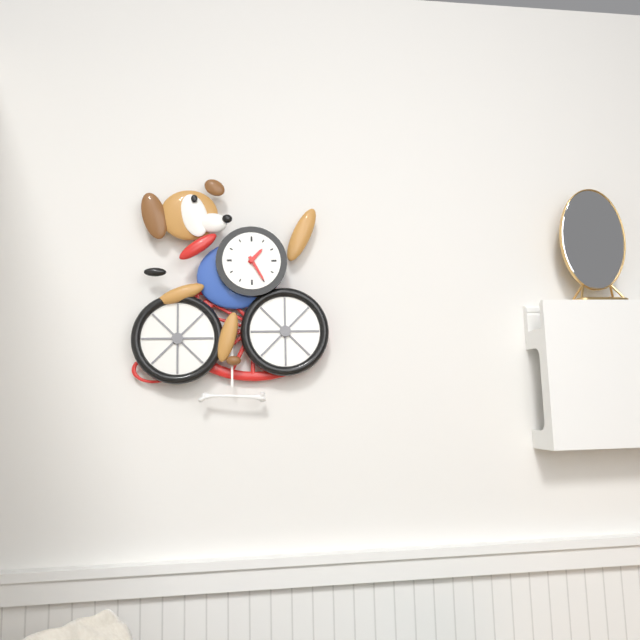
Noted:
**1:25**
